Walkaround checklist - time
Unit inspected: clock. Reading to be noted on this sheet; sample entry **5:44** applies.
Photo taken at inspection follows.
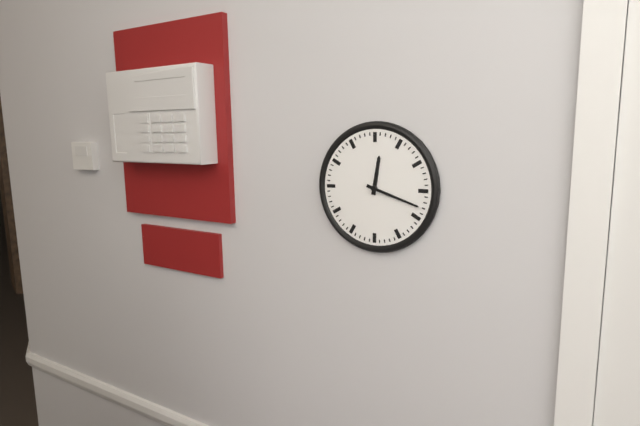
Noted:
**12:18**
